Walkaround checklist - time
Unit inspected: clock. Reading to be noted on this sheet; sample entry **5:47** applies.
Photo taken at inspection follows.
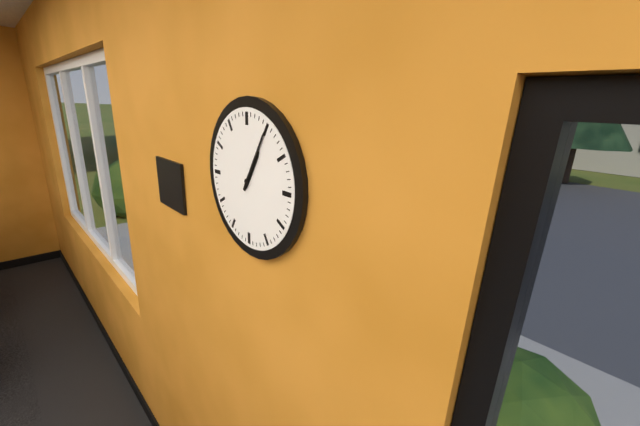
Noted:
**1:05**
